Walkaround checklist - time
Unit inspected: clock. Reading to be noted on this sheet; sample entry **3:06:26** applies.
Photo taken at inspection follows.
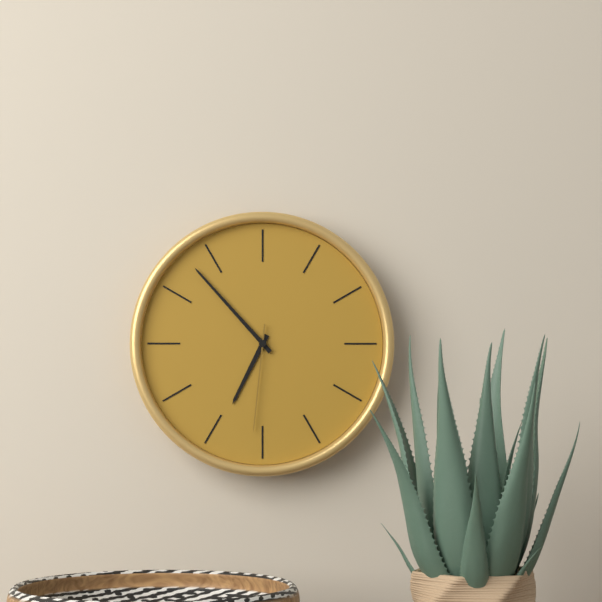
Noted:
**6:53:31**
